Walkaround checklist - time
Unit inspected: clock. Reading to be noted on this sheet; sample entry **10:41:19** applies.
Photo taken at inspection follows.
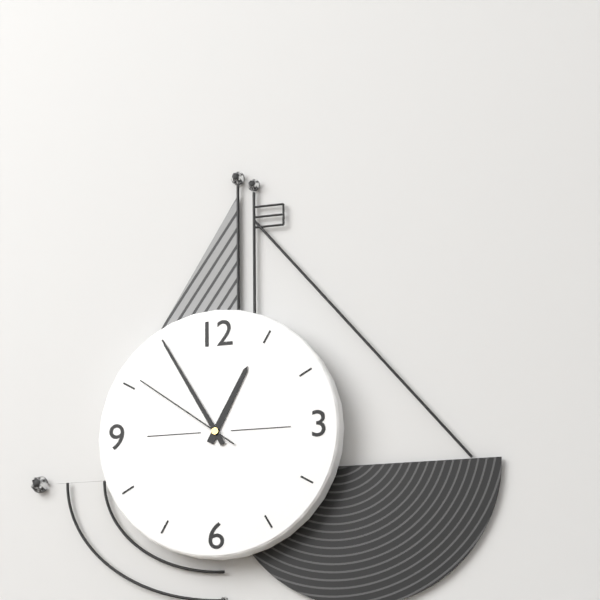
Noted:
**12:55:51**
